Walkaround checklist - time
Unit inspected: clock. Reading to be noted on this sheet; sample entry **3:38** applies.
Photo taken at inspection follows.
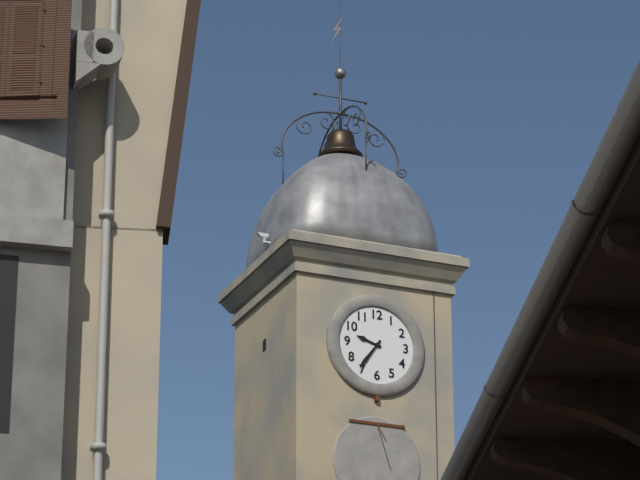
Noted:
**9:36**
